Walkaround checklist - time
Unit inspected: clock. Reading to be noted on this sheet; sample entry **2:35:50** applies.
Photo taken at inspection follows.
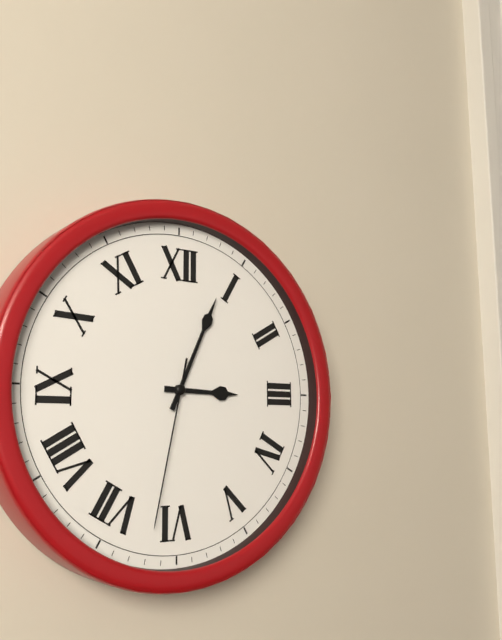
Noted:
**3:04:32**
